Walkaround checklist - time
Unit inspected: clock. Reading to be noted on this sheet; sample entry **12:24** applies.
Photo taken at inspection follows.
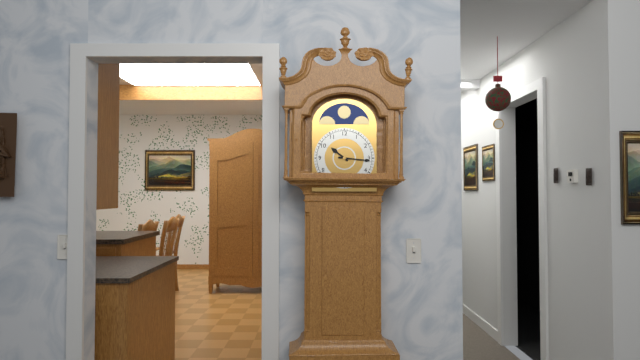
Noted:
**10:16**
